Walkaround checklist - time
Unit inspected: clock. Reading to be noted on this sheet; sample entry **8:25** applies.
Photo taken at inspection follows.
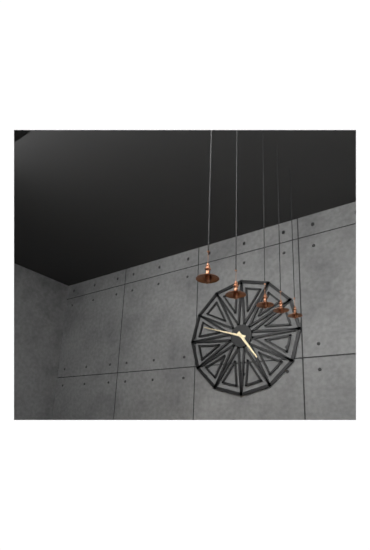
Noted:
**4:48**
